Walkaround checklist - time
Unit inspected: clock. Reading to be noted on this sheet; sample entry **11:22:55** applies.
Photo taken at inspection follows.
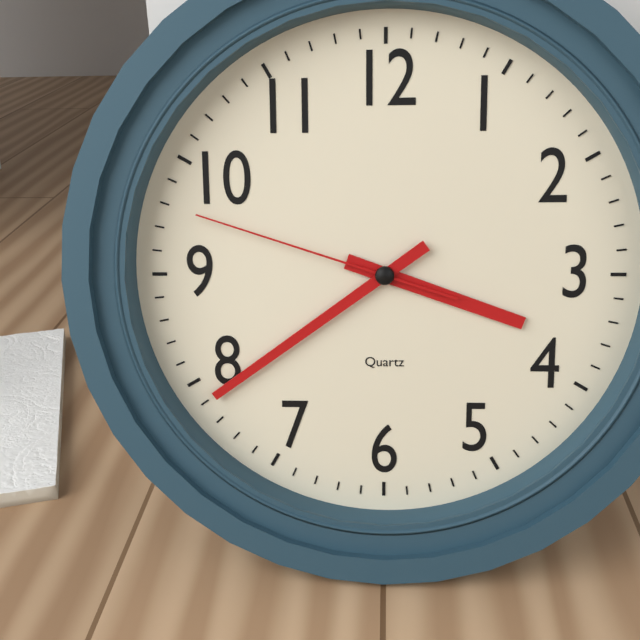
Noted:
**3:39:48**
